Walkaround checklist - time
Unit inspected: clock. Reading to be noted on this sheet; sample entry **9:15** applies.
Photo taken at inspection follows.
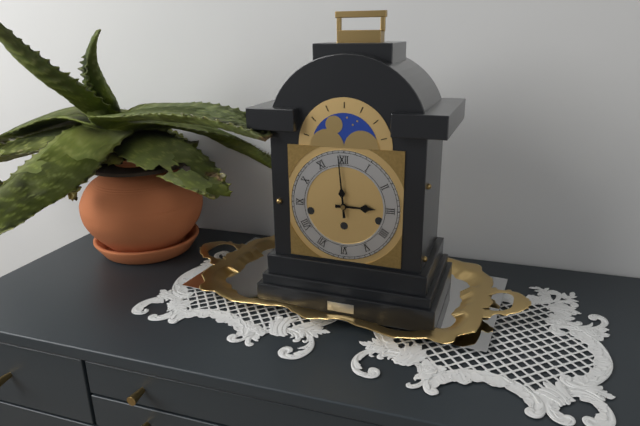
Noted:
**2:59**
